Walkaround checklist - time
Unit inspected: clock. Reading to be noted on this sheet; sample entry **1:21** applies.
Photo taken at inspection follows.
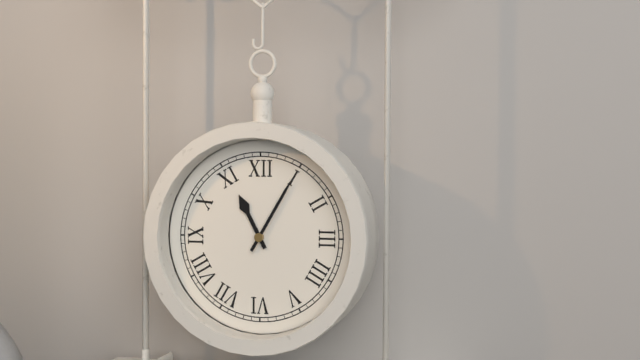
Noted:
**11:05**
